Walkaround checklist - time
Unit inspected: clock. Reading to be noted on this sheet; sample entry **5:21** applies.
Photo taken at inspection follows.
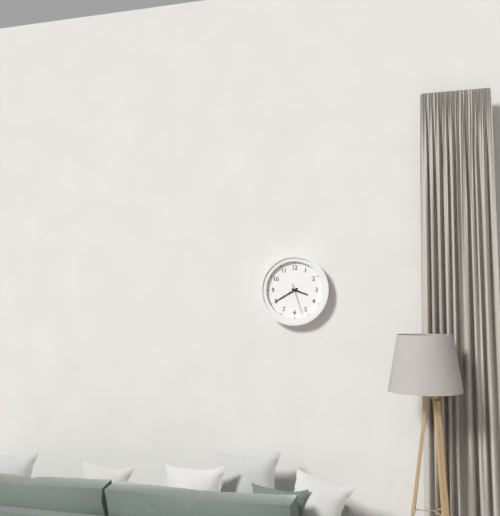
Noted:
**3:40**
